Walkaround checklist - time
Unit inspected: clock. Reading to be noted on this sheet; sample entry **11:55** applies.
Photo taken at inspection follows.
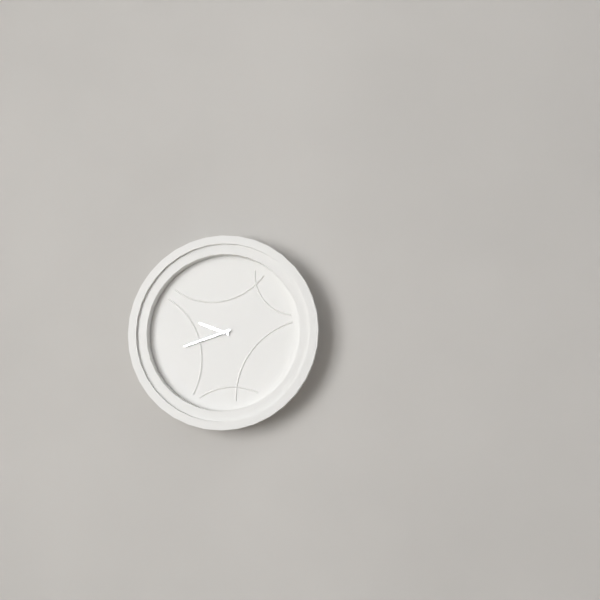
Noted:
**9:42**
